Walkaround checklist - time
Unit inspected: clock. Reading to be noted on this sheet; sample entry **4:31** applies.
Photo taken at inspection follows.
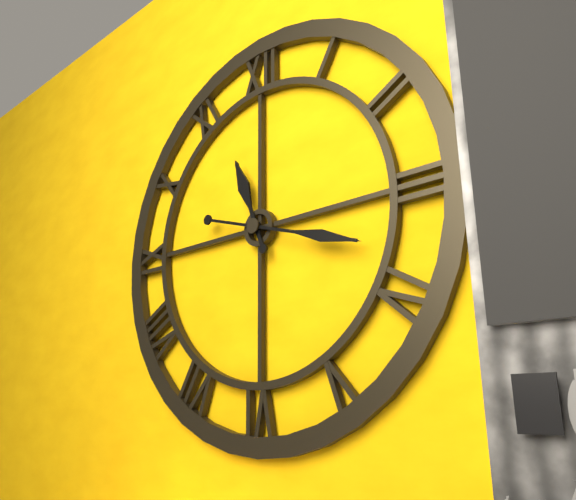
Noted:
**11:18**
